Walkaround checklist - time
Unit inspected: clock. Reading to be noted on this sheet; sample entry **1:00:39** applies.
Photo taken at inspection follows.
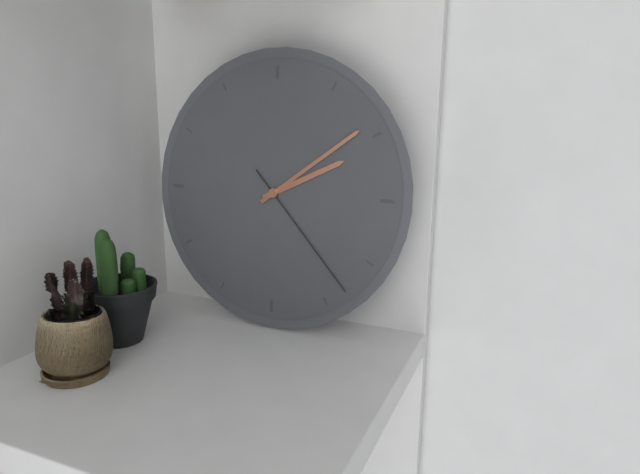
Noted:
**2:09:23**
